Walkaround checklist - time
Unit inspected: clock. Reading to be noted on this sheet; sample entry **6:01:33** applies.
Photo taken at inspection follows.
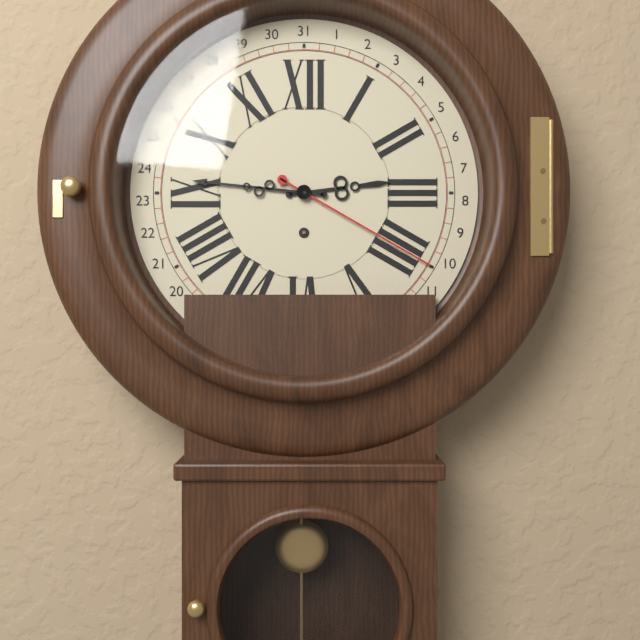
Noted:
**2:46:20**
